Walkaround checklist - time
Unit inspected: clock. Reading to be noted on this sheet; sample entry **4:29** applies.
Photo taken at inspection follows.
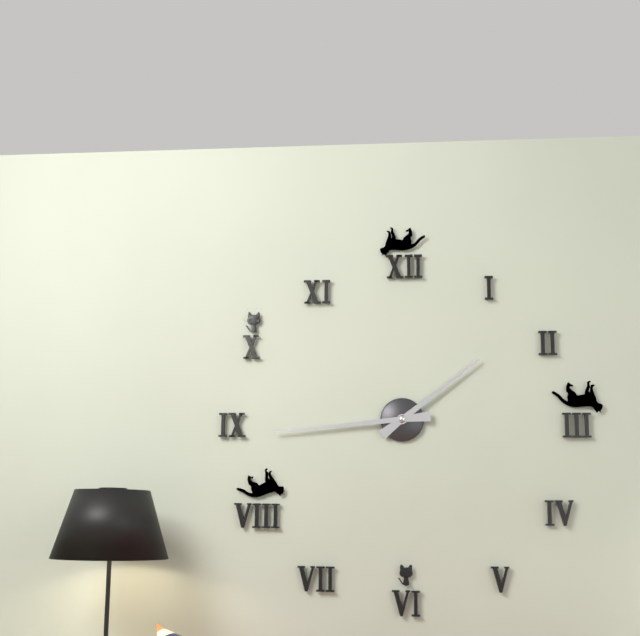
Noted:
**1:44**
